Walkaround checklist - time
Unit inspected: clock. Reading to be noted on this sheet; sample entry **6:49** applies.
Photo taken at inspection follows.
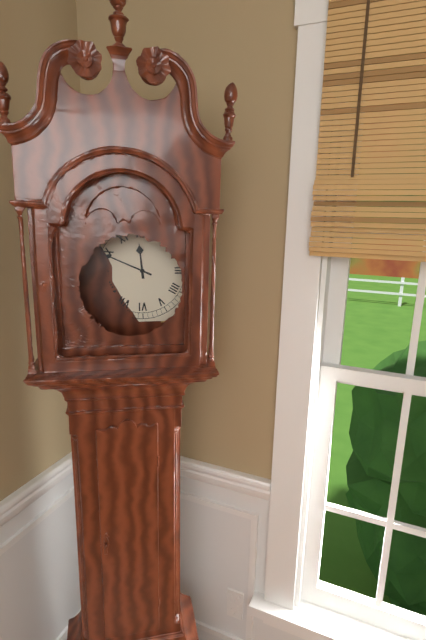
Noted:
**11:49**
